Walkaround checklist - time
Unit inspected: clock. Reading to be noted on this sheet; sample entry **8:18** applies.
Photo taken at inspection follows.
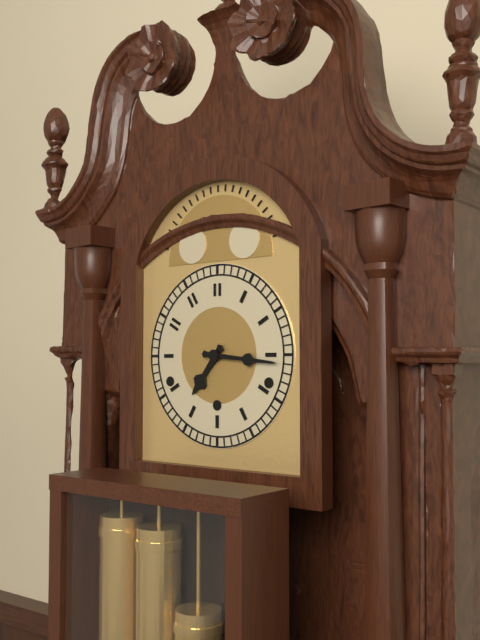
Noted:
**7:16**
